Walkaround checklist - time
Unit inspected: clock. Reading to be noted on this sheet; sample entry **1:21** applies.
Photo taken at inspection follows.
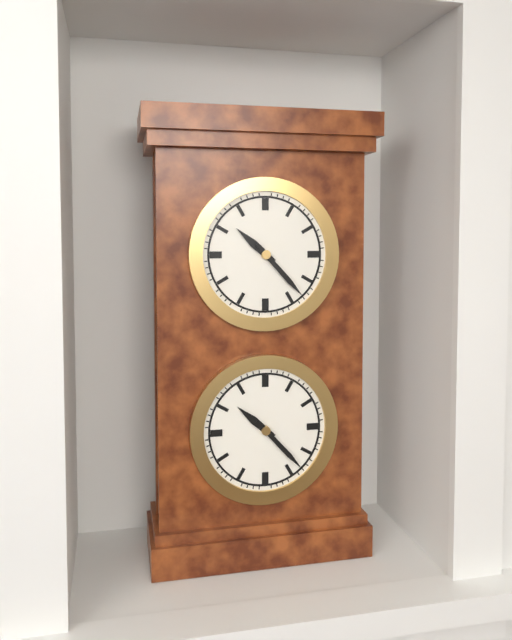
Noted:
**10:23**
